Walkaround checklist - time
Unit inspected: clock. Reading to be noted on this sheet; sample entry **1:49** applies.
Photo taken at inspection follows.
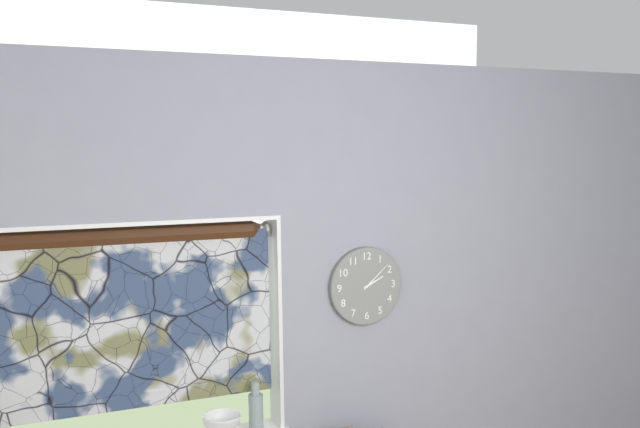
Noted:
**2:08**
